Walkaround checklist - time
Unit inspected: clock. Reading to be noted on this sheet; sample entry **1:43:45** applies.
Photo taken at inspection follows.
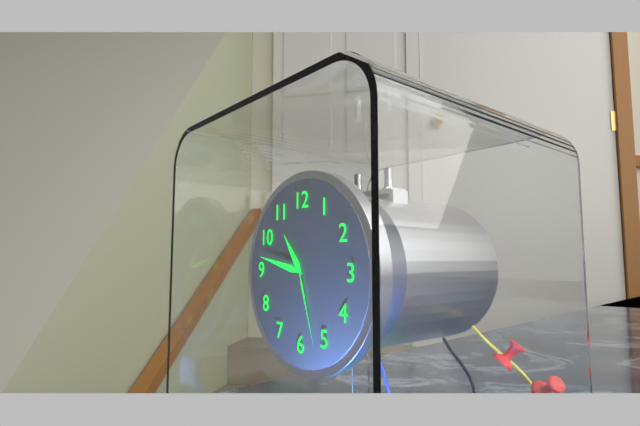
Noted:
**10:47:27**
